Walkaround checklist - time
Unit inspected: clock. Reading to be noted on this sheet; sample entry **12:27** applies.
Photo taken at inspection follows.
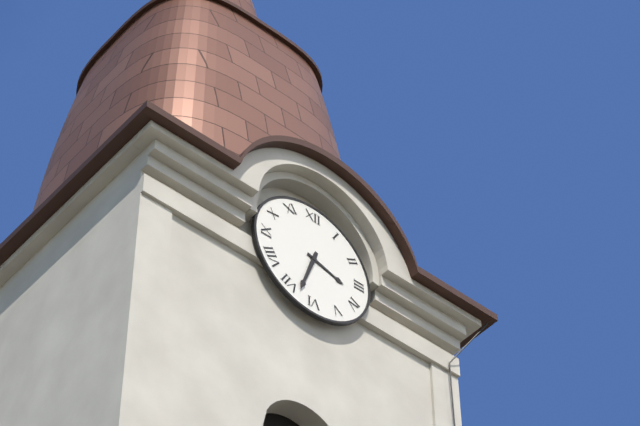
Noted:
**3:33**
